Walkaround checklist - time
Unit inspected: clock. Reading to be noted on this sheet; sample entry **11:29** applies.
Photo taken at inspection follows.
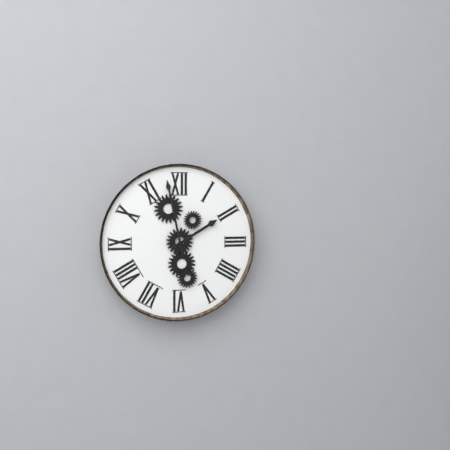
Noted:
**1:58**
